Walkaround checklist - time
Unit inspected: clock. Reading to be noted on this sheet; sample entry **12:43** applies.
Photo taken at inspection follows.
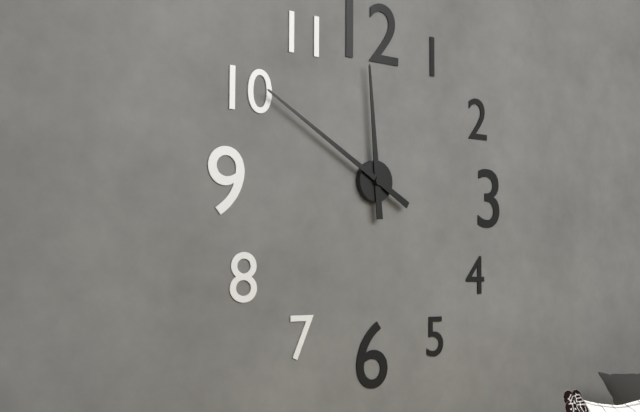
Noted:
**11:50**
